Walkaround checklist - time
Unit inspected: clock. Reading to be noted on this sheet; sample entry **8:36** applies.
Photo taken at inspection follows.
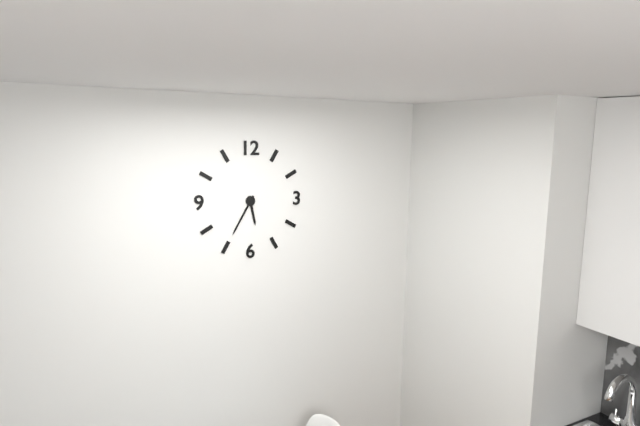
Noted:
**5:35**
